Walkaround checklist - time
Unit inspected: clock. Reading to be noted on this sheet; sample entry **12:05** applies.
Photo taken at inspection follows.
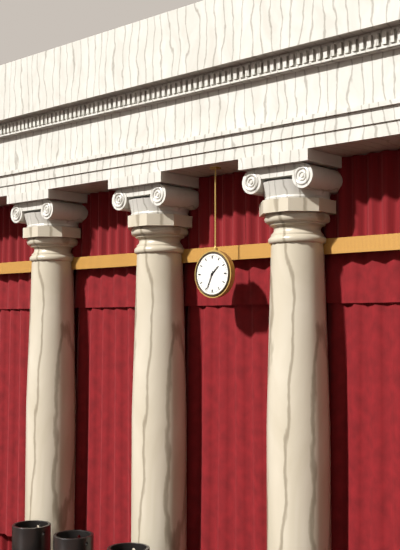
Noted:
**1:34**
